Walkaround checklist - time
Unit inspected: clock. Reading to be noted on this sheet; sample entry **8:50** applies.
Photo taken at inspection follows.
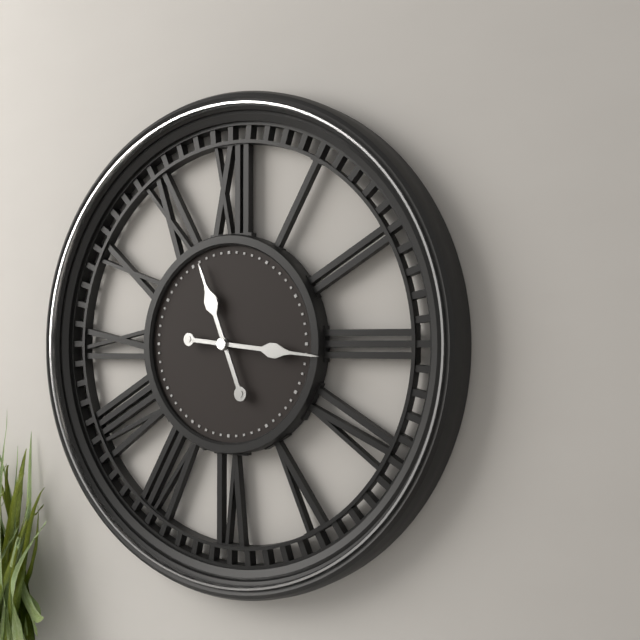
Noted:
**11:16**
